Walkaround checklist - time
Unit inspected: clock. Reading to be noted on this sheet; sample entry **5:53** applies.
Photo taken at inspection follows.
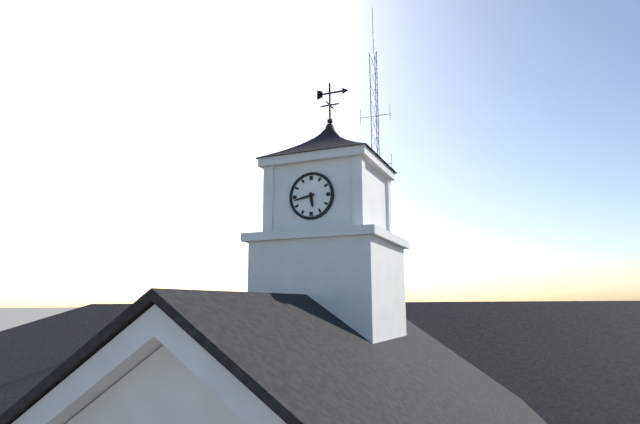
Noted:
**5:43**
